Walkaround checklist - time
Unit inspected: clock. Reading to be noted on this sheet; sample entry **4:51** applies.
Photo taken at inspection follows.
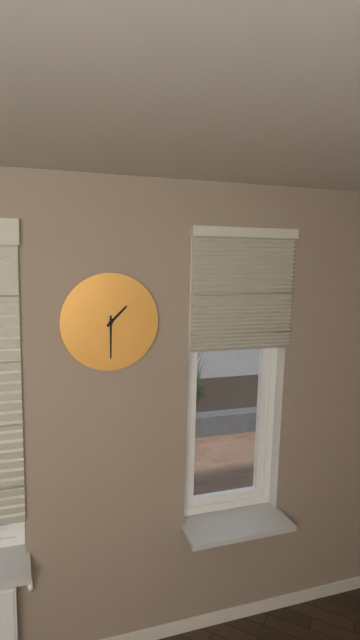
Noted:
**1:30**
